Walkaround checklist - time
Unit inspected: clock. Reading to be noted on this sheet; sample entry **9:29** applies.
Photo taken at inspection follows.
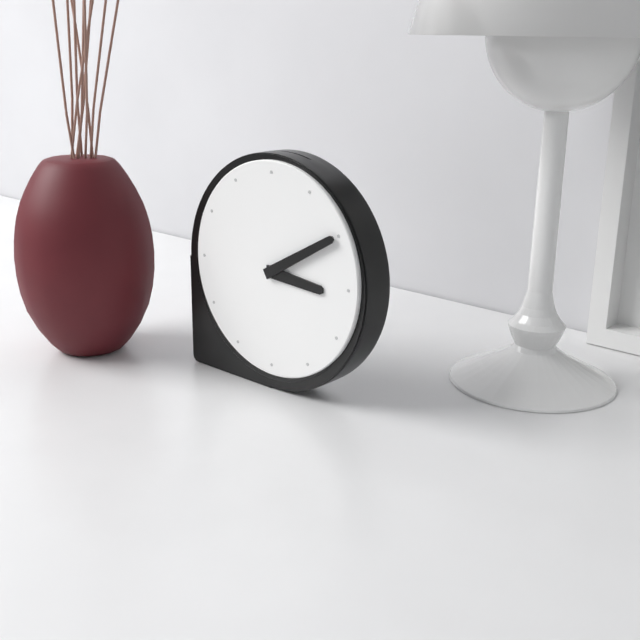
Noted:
**3:10**
